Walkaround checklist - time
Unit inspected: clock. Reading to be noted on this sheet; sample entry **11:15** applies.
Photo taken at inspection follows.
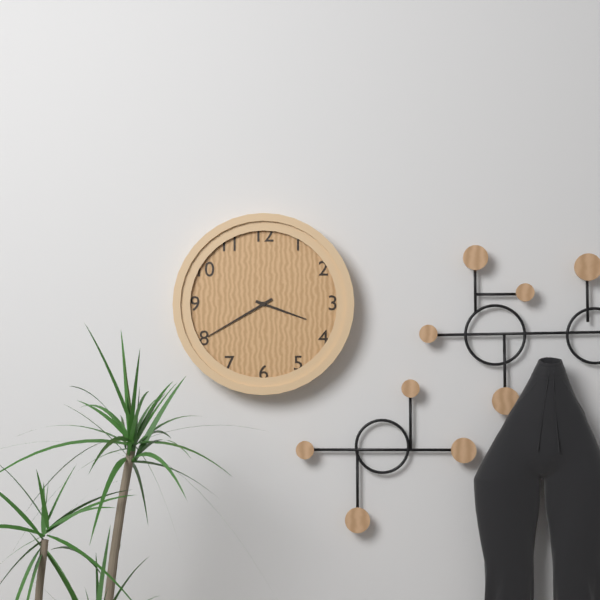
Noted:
**3:40**
